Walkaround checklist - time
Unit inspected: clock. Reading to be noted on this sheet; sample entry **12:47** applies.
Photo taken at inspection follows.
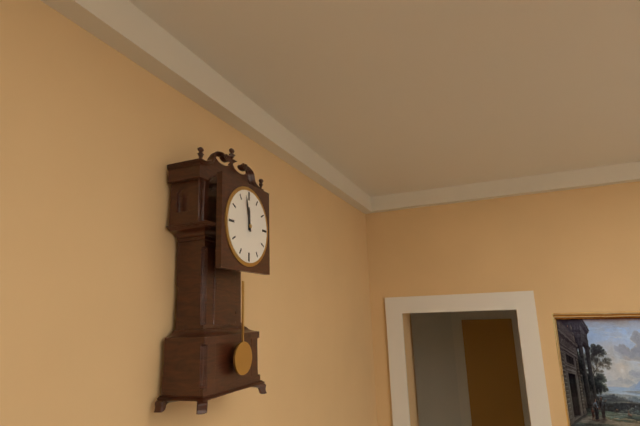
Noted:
**11:58**
